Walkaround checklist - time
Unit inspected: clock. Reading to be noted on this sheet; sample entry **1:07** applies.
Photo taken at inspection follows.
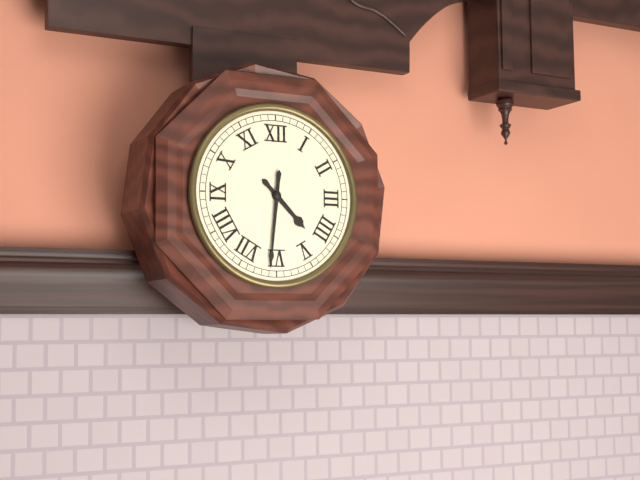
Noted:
**4:31**
